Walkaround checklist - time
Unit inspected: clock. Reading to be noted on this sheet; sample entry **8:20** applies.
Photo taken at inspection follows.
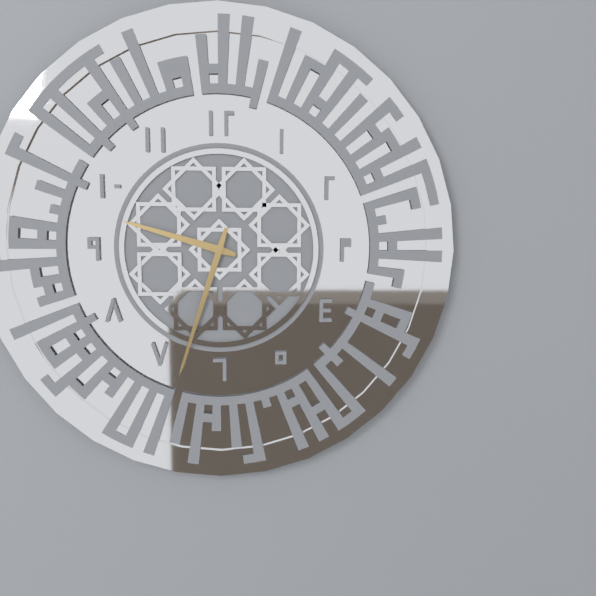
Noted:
**9:33**
